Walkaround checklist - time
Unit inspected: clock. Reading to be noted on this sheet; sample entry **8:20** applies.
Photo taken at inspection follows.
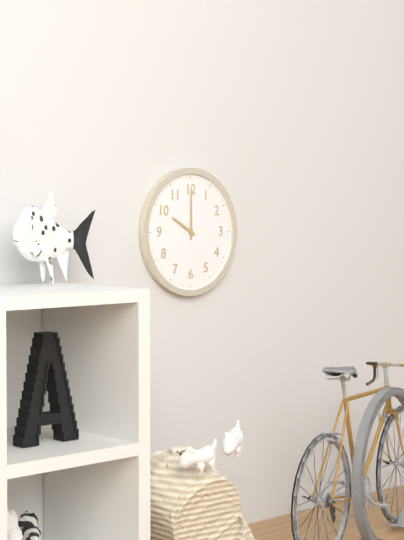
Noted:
**10:00**
